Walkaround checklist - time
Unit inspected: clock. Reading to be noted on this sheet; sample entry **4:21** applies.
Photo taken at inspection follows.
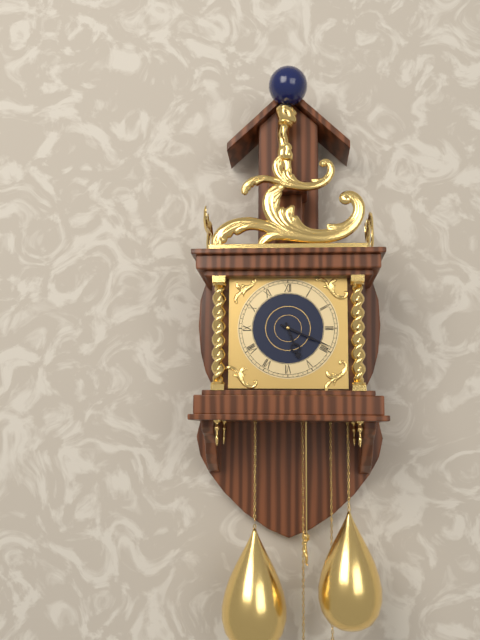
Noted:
**5:19**
